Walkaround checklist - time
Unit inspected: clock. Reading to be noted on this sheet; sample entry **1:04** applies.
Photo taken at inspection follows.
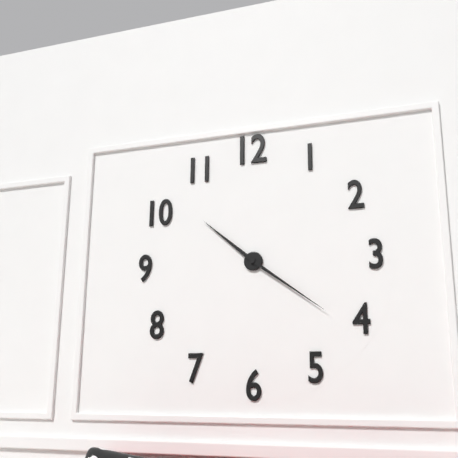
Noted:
**10:21**
